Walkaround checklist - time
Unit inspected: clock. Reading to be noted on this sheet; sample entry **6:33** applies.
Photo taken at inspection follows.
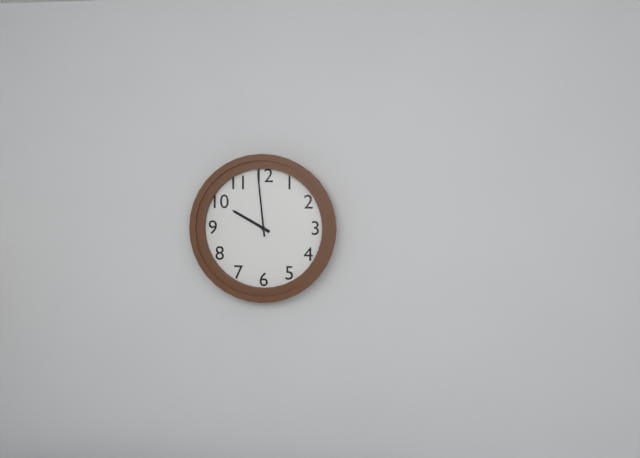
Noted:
**9:59**
